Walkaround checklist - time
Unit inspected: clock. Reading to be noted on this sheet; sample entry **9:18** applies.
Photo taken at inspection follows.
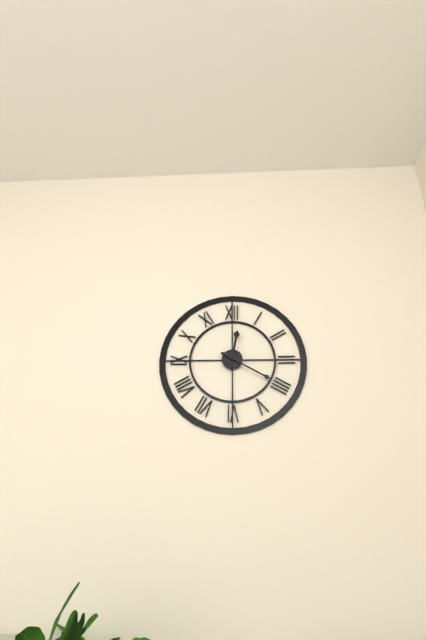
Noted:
**12:20**
